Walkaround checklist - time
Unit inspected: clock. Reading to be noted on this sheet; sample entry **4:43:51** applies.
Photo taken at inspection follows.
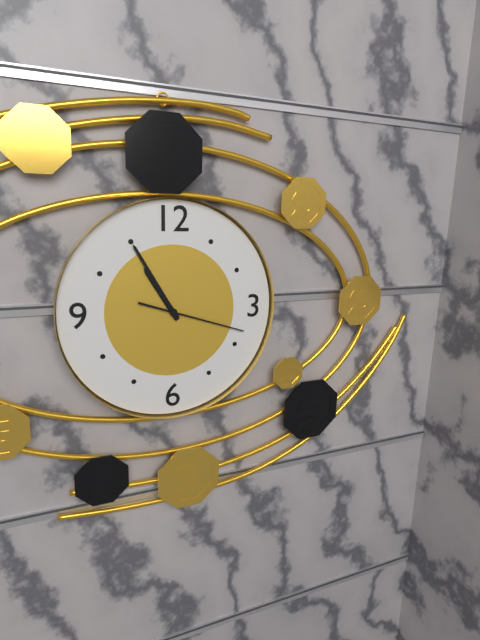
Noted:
**10:55:18**
